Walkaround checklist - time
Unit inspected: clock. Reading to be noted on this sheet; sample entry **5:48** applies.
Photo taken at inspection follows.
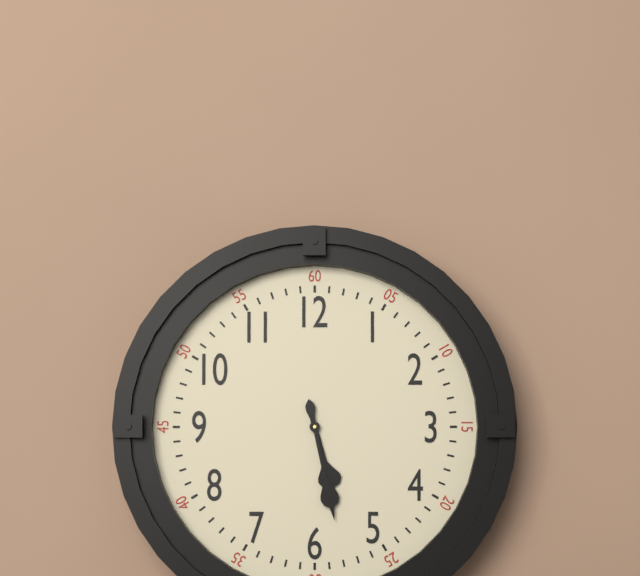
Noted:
**5:28**
